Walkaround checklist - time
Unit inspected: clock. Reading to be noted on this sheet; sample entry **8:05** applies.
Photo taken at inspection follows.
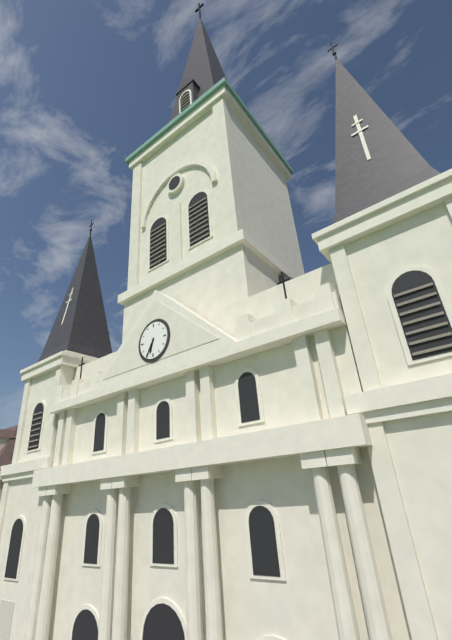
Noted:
**6:35**
